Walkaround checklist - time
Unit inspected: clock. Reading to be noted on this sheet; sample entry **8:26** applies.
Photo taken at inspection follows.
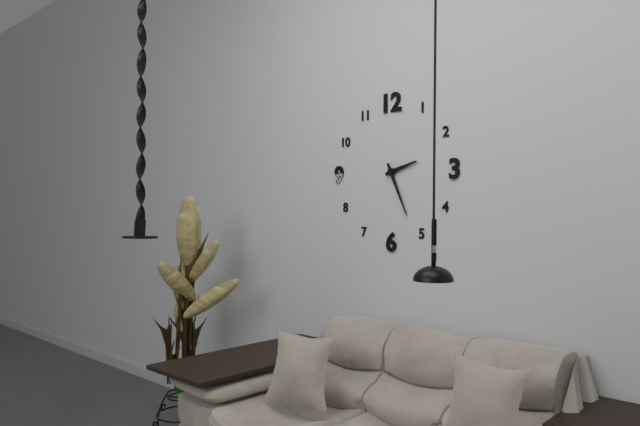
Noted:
**2:26**
